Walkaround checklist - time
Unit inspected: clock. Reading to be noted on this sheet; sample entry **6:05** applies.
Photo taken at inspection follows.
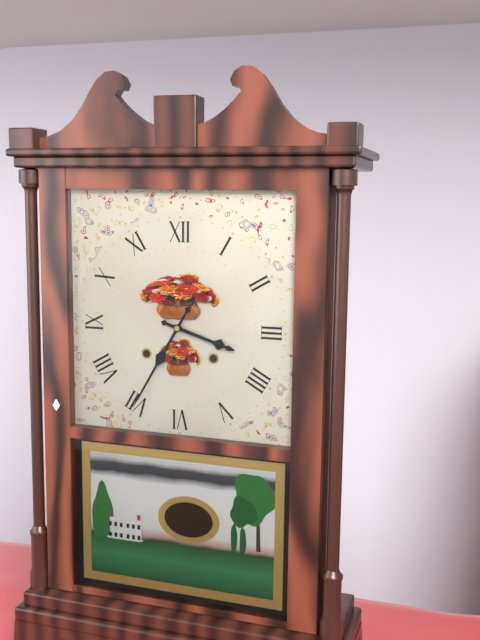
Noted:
**3:35**
